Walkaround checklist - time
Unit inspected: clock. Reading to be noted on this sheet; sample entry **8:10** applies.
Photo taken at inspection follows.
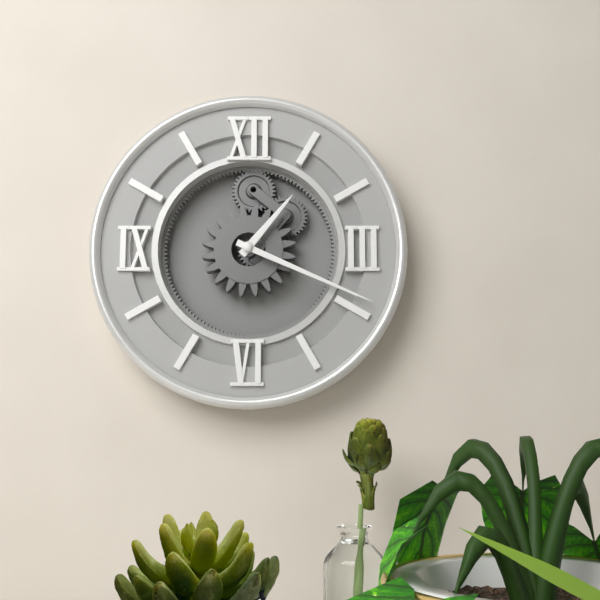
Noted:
**1:19**
